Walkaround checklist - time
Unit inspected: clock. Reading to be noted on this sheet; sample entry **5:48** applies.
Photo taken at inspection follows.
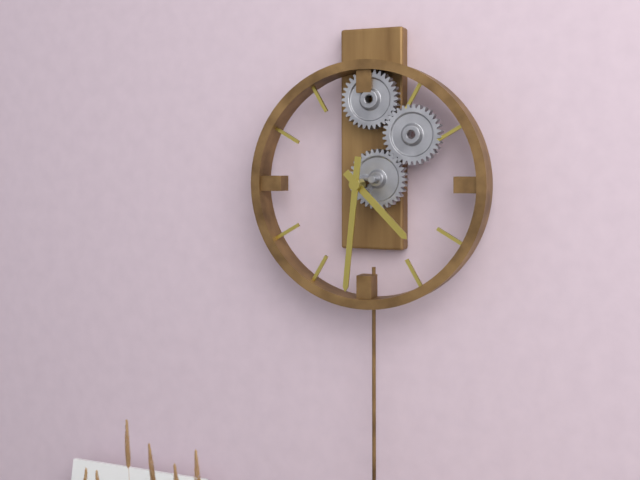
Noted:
**4:31**
